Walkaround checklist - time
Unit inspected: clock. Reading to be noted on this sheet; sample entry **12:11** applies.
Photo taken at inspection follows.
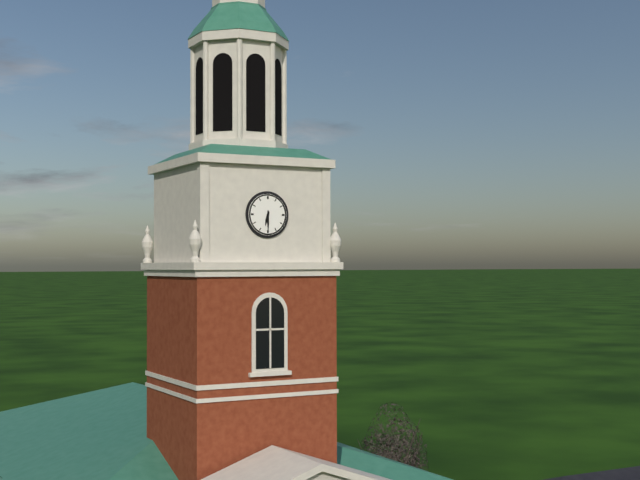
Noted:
**6:30**
